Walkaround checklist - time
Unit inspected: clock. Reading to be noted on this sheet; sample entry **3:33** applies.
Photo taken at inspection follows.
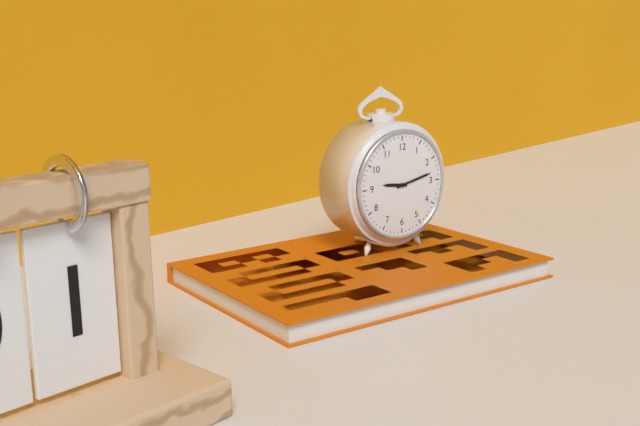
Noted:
**9:13**
